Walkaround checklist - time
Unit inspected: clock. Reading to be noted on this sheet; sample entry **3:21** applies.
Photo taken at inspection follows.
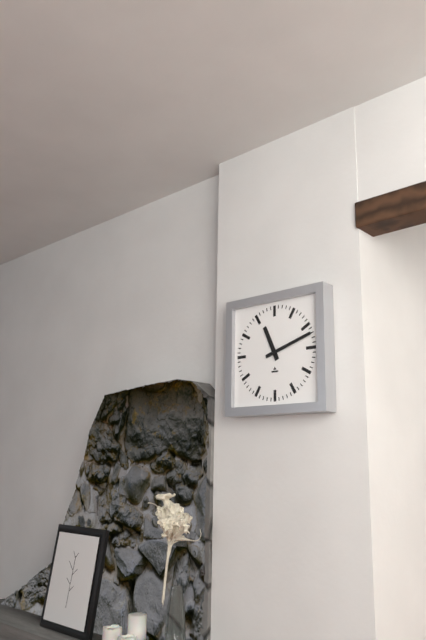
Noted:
**11:12**
